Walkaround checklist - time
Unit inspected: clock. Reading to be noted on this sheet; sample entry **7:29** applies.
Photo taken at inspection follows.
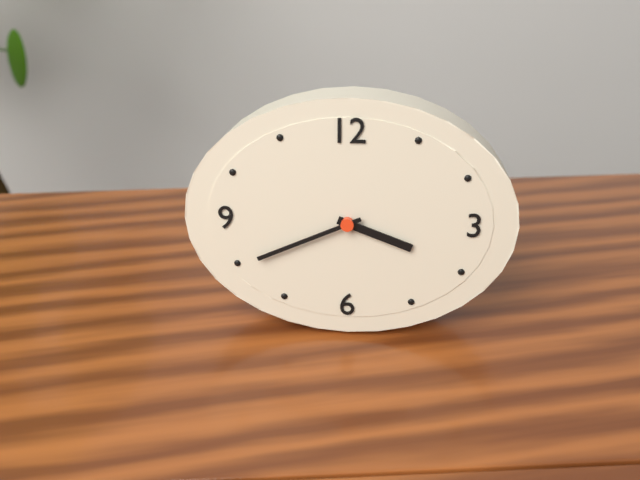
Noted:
**3:41**
